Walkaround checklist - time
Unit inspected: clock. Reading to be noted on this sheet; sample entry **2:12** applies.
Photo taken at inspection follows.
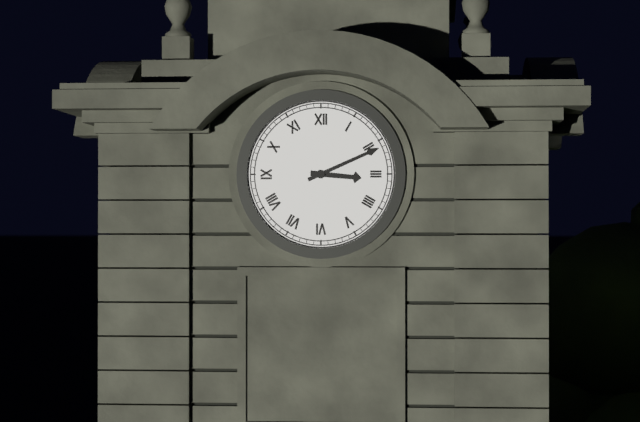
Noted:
**3:11**
